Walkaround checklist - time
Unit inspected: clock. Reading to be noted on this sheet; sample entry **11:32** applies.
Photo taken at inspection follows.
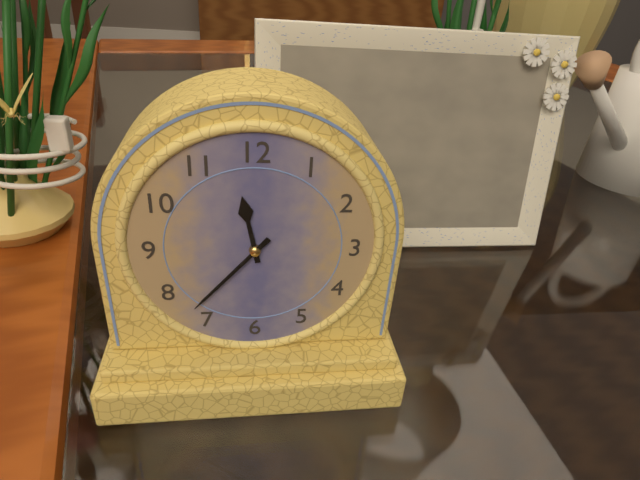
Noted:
**11:37**
